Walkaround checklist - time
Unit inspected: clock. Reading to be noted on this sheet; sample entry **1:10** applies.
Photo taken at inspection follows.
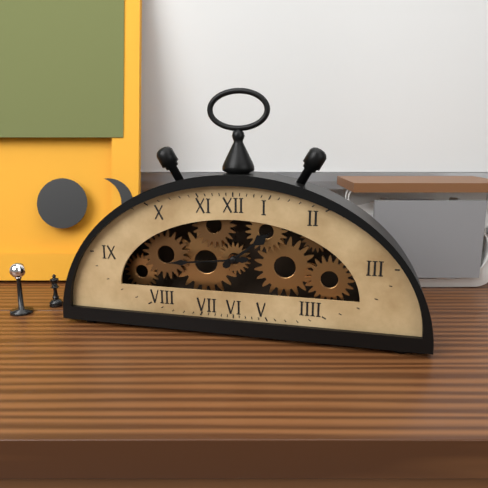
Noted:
**1:44**
